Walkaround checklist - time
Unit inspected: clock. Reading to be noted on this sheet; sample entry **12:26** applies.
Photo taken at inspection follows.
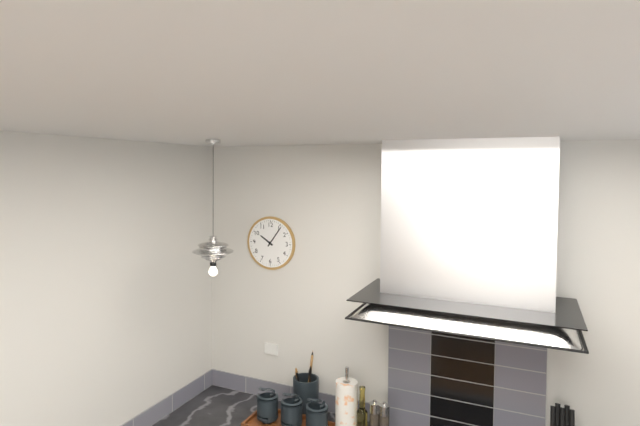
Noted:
**10:06**
